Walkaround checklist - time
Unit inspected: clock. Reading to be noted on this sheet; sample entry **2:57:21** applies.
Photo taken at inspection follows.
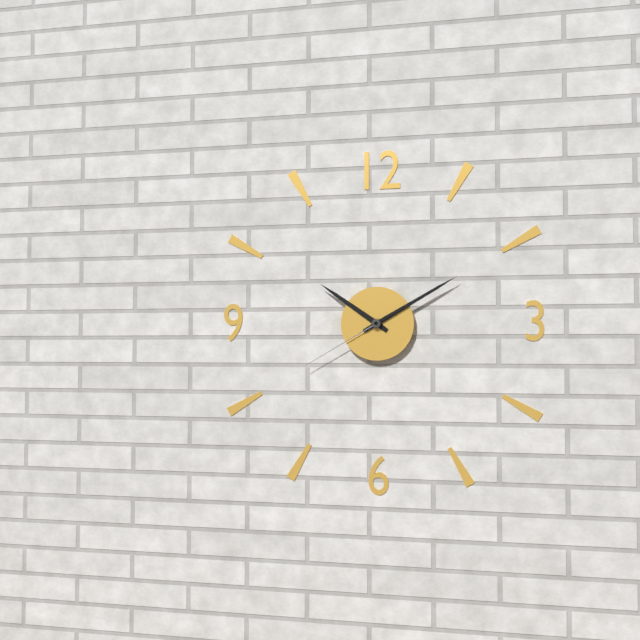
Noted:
**10:10:40**
